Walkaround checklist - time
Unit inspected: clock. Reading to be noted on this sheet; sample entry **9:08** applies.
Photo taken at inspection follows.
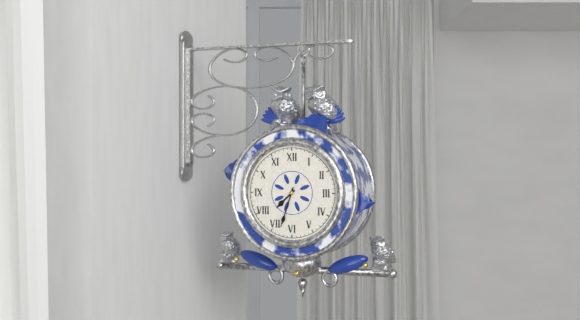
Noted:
**7:33**
